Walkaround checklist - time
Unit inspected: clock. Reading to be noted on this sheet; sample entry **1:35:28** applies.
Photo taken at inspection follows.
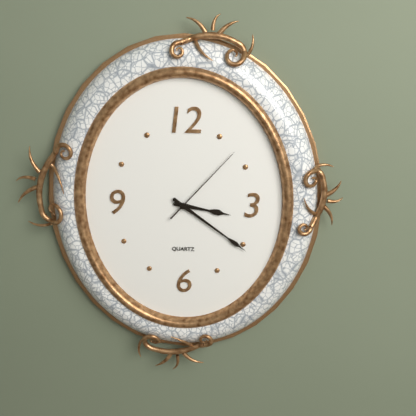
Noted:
**3:21:07**
